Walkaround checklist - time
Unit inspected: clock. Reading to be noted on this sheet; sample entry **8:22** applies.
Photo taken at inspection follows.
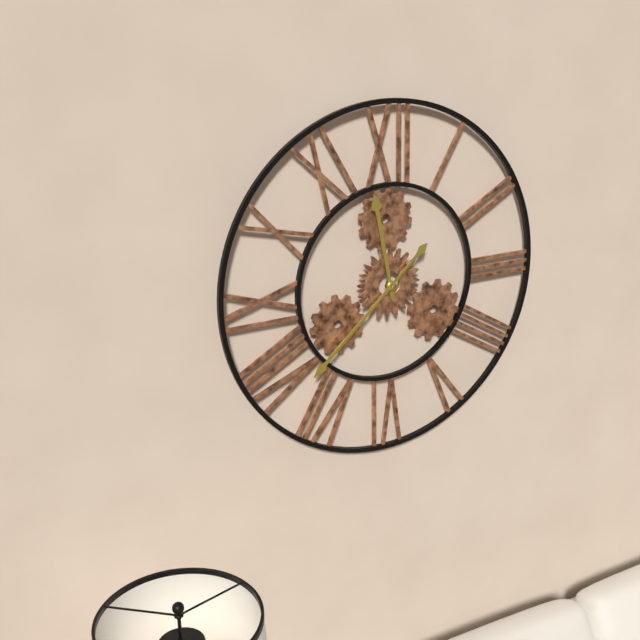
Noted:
**11:38**
